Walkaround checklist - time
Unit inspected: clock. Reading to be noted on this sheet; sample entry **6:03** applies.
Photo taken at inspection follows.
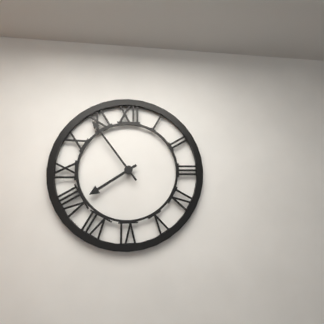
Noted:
**7:54**
